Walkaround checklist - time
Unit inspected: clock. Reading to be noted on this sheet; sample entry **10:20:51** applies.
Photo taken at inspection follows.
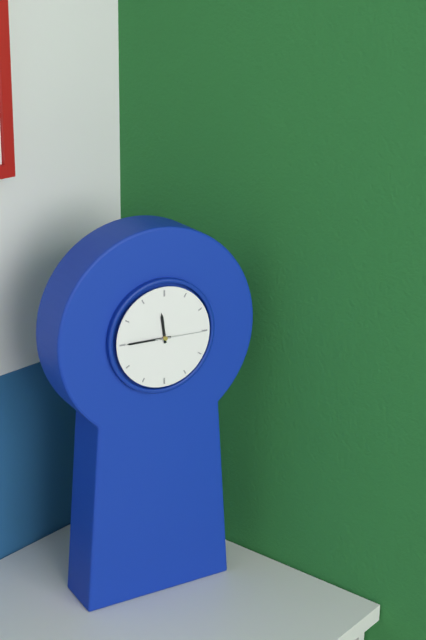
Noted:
**11:45:15**
